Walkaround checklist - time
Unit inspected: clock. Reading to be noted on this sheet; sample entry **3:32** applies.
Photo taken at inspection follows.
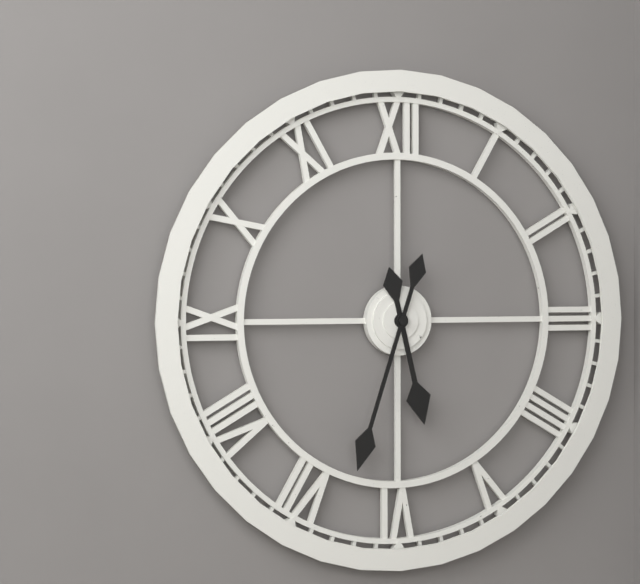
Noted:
**5:33**
